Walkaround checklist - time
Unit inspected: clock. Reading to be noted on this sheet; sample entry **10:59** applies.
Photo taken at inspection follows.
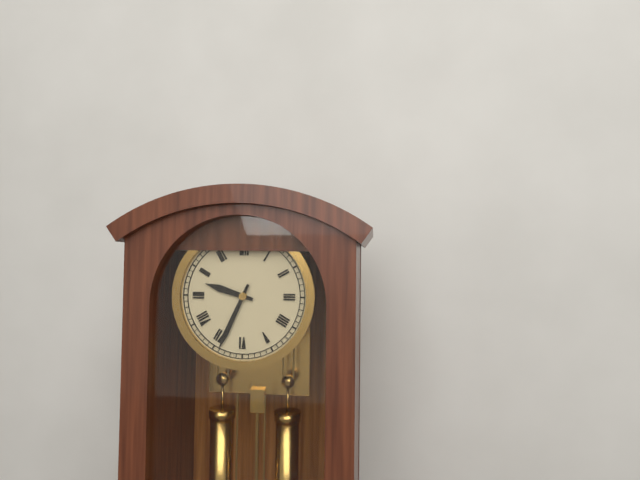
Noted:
**9:34**
